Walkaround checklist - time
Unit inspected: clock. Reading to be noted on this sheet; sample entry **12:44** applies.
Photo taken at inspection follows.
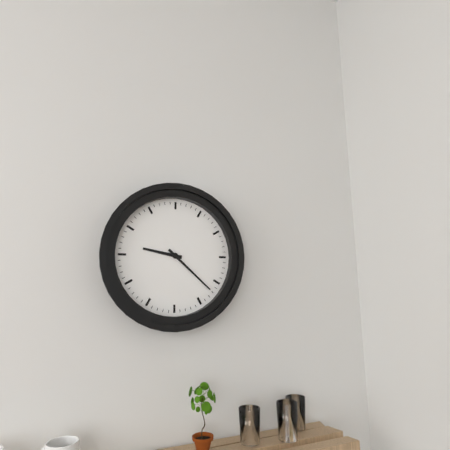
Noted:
**9:22**
